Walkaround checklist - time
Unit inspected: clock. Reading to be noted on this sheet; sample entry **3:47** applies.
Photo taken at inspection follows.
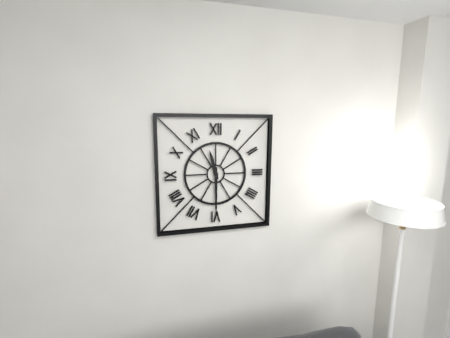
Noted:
**11:30**
